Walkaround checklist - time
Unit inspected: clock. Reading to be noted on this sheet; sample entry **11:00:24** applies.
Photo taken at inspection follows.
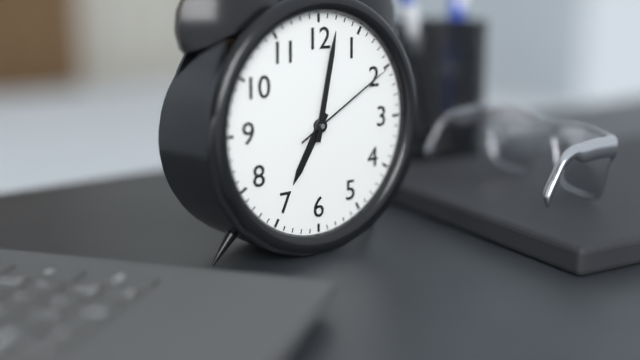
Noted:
**7:02:10**
